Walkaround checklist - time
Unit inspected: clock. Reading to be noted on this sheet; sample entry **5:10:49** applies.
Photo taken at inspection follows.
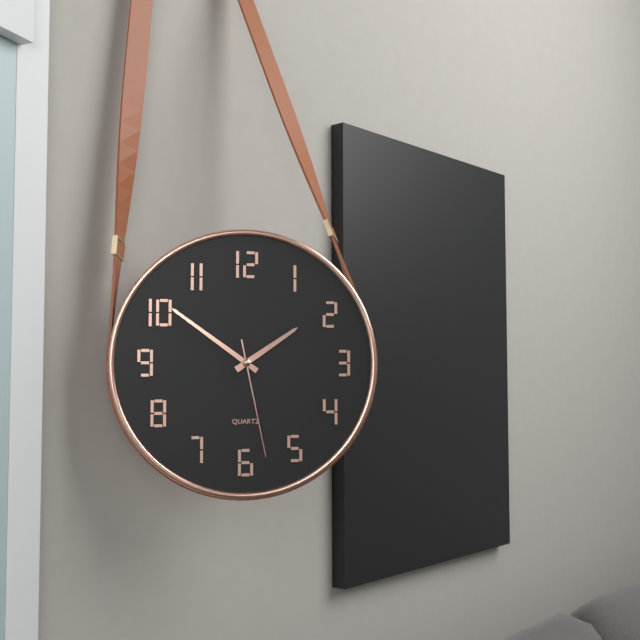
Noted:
**1:51:28**
